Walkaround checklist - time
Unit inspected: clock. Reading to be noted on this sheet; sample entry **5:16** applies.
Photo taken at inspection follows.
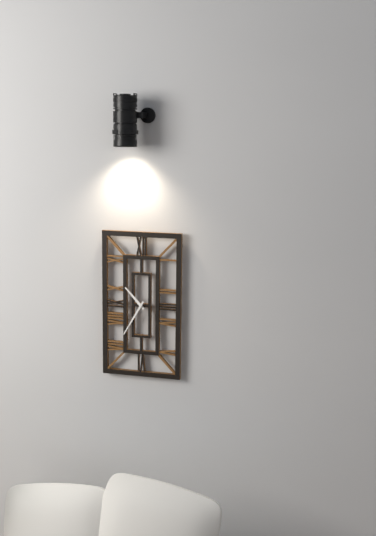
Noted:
**10:35**
